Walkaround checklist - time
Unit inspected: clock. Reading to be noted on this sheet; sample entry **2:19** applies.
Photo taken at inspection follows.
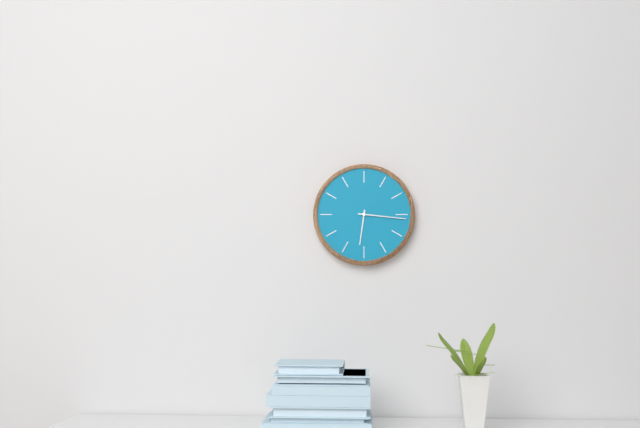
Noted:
**6:16**
